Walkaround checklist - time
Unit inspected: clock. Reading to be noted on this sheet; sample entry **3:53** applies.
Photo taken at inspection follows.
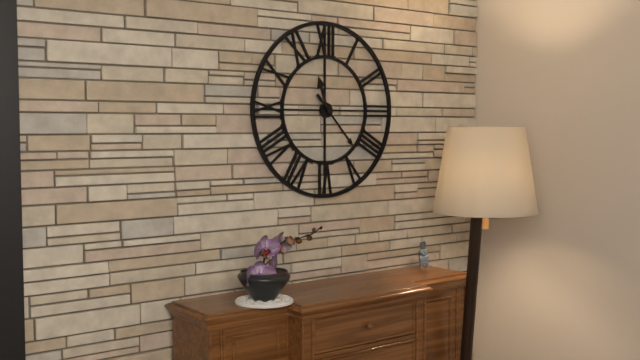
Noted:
**11:23**
